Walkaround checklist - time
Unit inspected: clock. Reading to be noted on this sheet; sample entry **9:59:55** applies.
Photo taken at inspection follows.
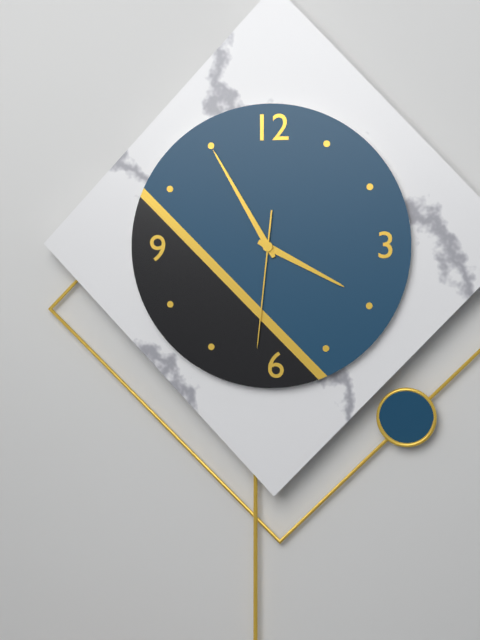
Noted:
**3:55:31**
